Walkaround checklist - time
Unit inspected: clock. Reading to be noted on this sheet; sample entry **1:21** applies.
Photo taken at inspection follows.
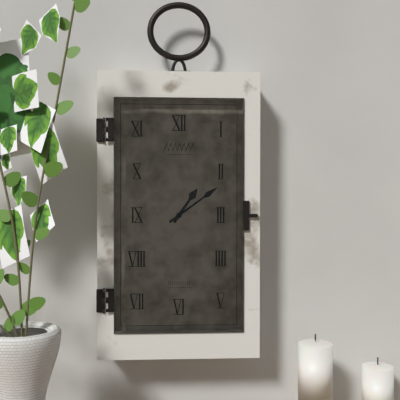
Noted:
**1:09**
